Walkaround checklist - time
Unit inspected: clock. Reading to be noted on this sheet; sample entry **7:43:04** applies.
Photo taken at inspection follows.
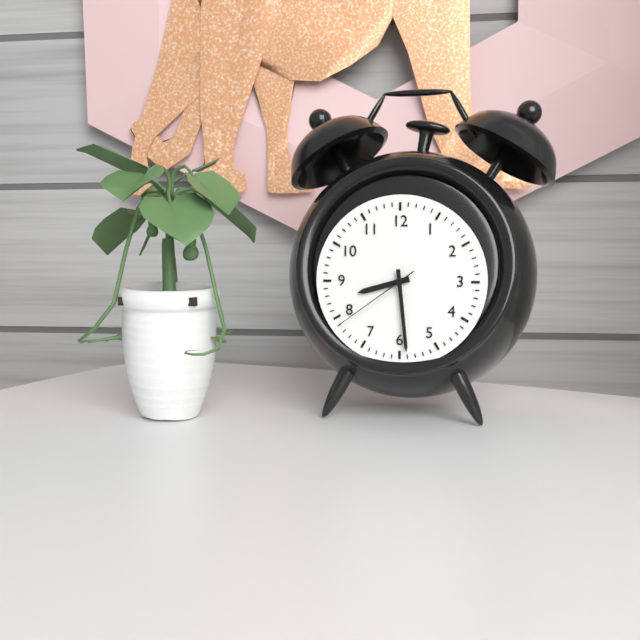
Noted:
**8:29:39**
